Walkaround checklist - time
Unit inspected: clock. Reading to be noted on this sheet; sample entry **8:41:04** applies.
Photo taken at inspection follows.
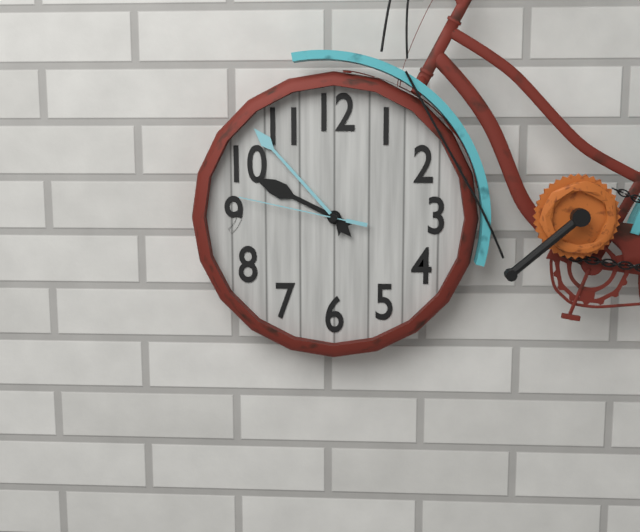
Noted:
**9:53:47**
